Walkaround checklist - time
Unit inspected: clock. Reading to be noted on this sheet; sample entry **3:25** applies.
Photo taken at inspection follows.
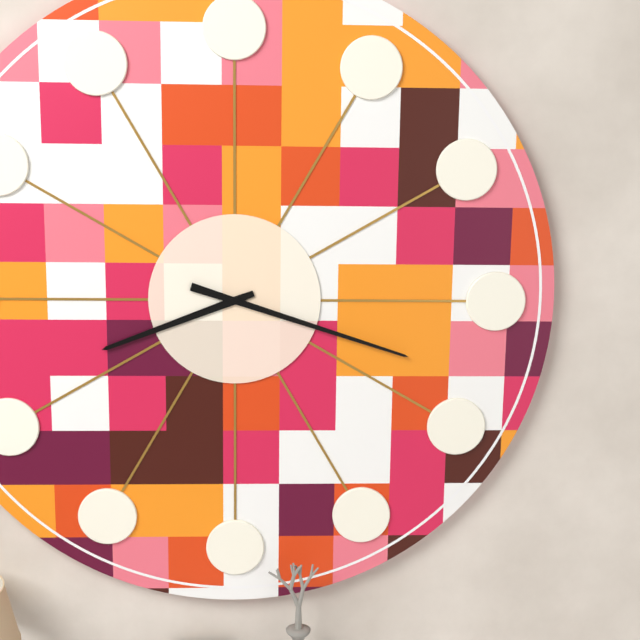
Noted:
**8:18**
